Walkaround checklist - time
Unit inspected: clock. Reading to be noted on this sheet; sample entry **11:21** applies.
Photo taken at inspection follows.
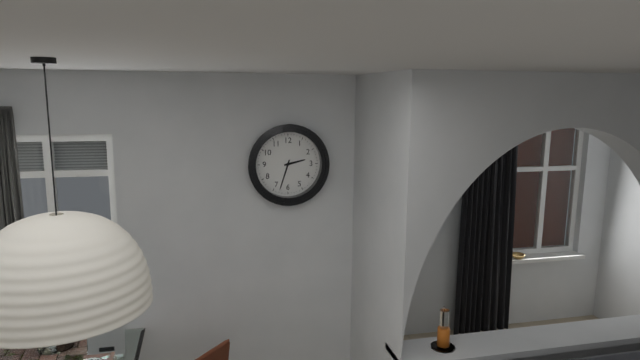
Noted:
**2:33**
